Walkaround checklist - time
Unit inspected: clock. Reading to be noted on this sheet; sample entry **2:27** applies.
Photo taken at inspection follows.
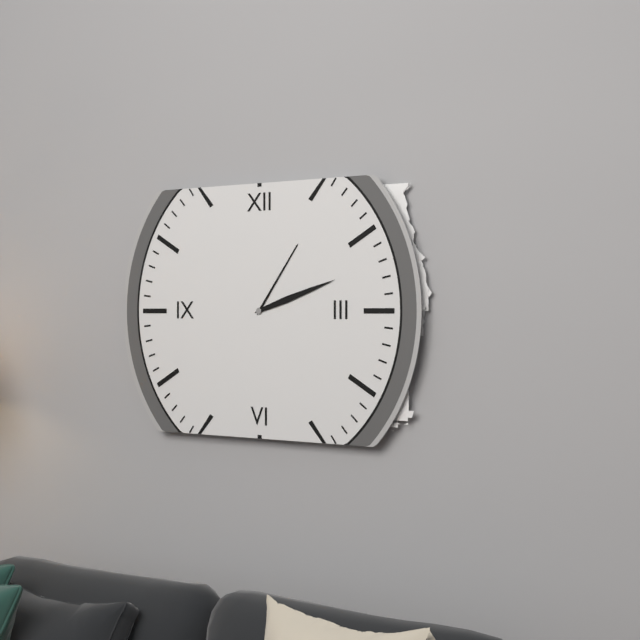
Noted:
**1:12**
